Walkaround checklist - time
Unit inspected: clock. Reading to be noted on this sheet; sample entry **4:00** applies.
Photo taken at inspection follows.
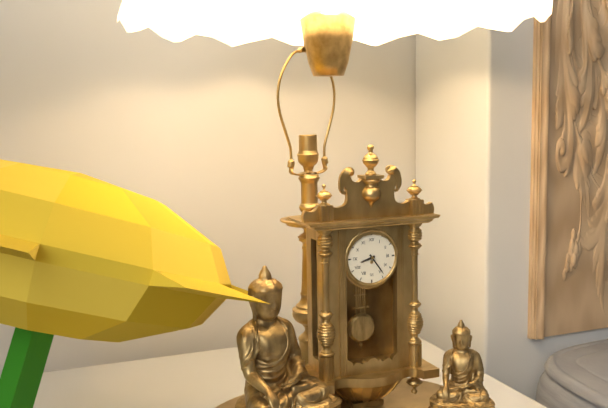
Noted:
**8:24**
